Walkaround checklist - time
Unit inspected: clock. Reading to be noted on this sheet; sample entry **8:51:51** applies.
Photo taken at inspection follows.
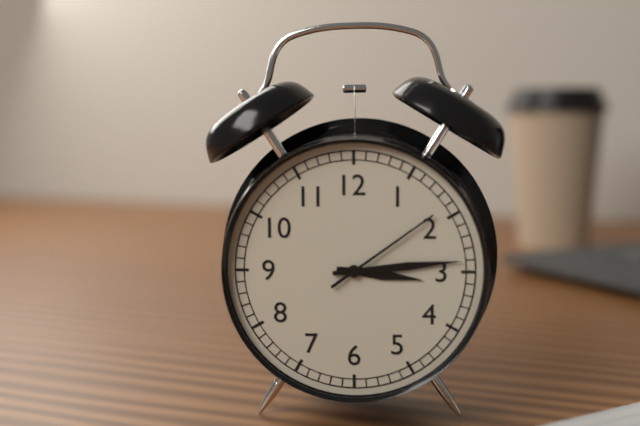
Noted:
**3:14:09**
